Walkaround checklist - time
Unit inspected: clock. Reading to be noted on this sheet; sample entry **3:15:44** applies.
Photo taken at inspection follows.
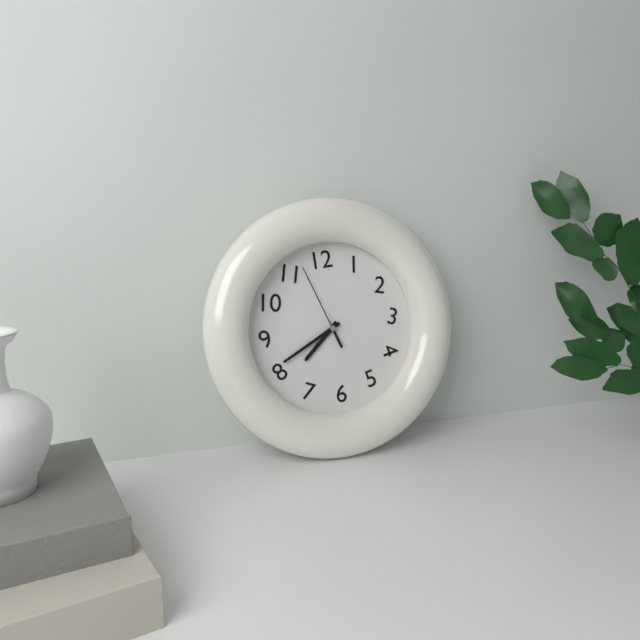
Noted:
**7:41:57**
